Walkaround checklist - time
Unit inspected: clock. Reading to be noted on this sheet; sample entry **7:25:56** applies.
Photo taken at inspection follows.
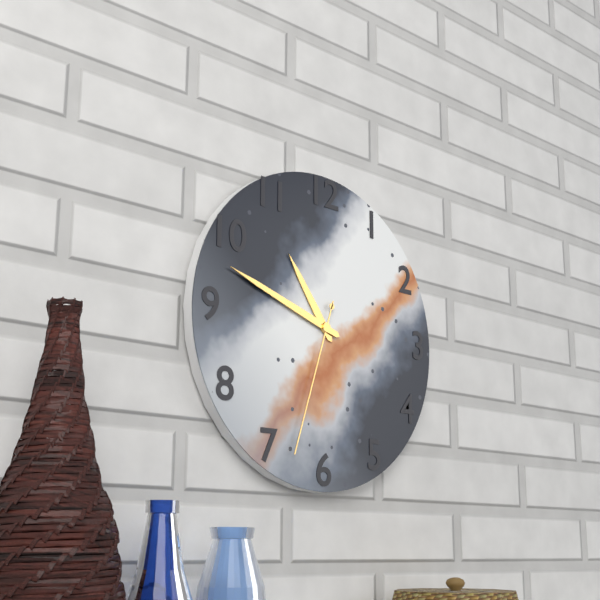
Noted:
**10:48:33**
